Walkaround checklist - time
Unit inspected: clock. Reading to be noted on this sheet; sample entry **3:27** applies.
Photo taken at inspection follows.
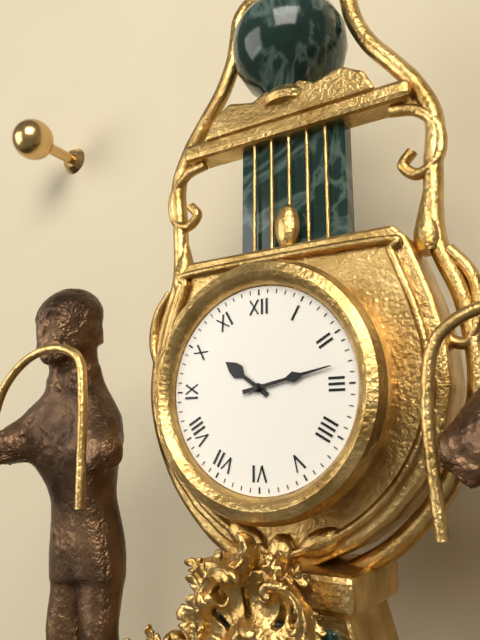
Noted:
**10:13**
